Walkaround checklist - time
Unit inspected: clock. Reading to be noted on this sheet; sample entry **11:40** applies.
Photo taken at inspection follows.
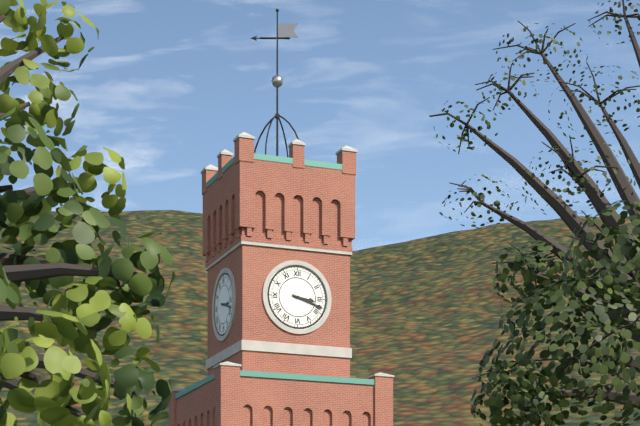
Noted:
**3:18**
